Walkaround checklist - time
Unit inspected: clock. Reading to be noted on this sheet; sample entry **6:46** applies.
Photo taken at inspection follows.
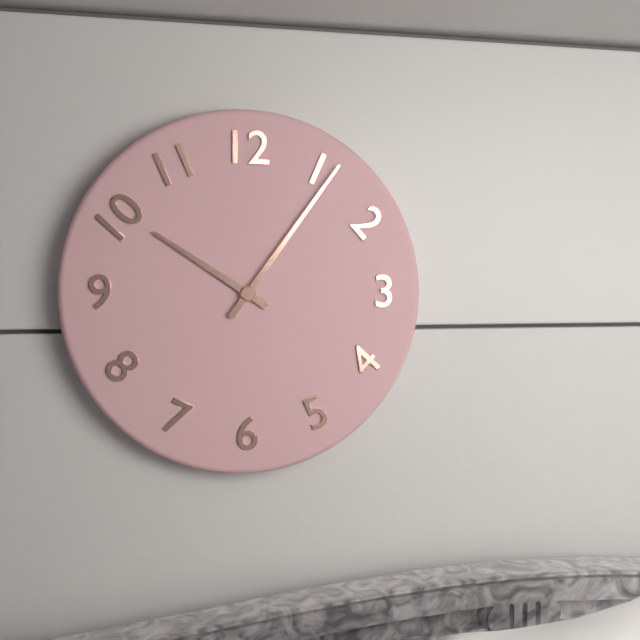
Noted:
**10:06**
